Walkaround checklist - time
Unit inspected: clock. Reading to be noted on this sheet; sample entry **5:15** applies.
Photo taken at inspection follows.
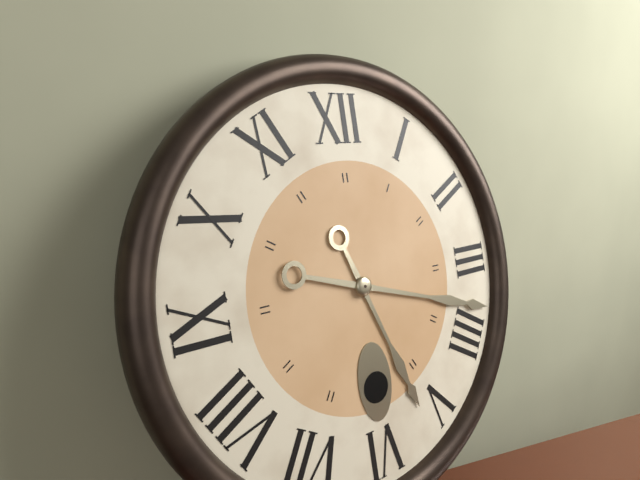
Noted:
**5:18**
